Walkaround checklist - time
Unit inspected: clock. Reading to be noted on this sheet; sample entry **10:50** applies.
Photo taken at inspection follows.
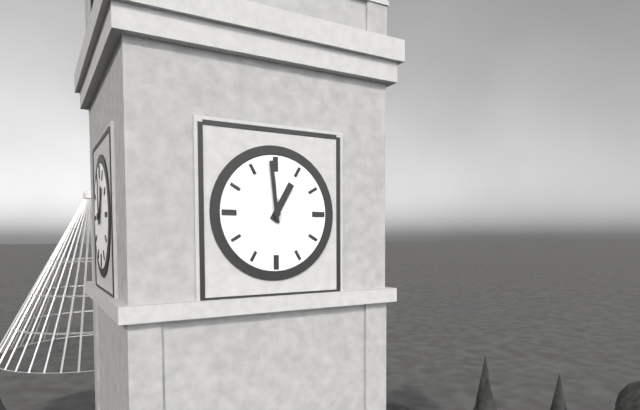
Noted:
**12:59**
